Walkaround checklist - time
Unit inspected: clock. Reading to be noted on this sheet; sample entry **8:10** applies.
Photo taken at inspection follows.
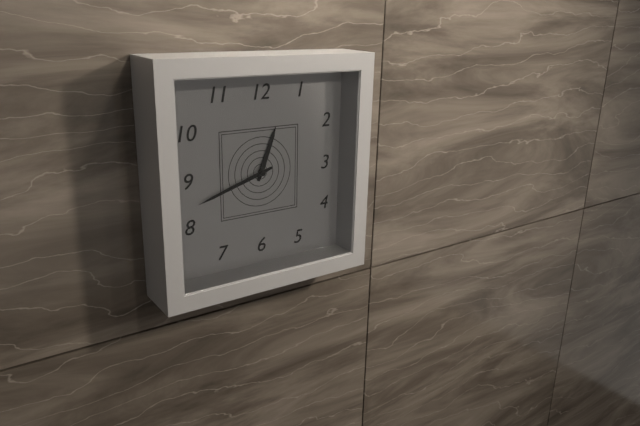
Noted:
**12:42**
